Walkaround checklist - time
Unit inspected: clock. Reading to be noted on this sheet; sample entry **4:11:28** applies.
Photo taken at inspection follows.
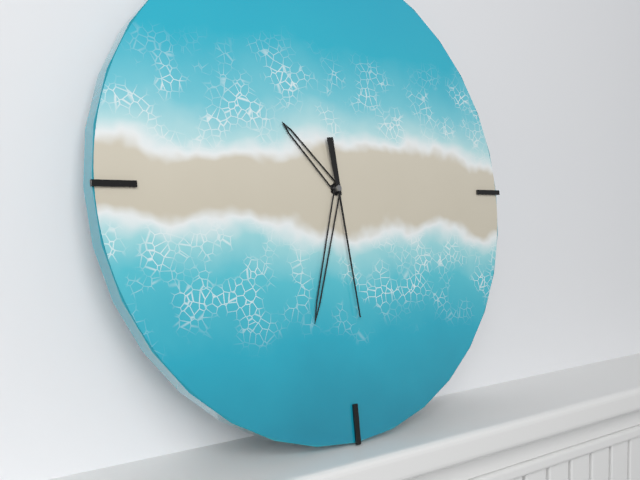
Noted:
**10:33:29**
